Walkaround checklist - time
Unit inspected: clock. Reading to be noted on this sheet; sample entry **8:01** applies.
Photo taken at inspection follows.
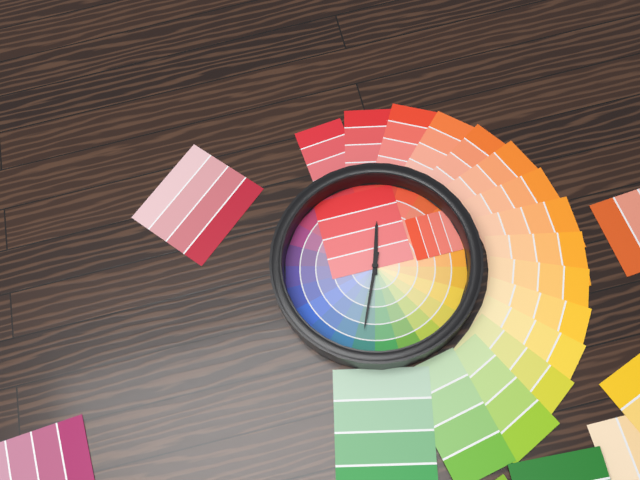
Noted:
**12:34**
